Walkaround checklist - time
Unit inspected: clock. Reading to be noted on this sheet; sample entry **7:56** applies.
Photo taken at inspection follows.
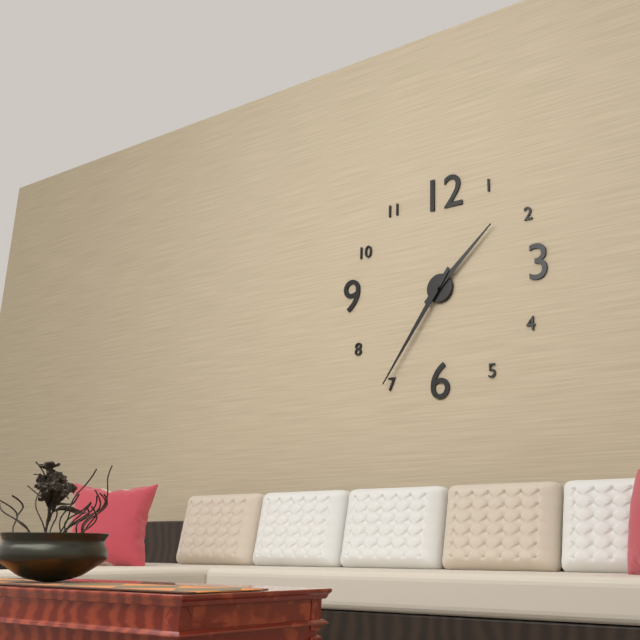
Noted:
**1:36**
